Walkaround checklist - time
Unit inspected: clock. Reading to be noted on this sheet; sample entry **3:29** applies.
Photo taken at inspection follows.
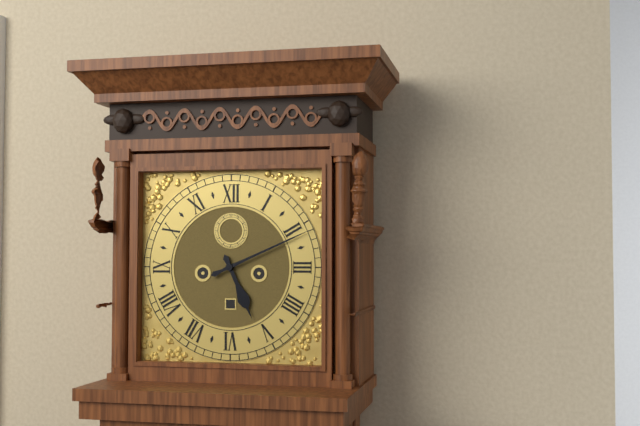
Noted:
**5:11**
